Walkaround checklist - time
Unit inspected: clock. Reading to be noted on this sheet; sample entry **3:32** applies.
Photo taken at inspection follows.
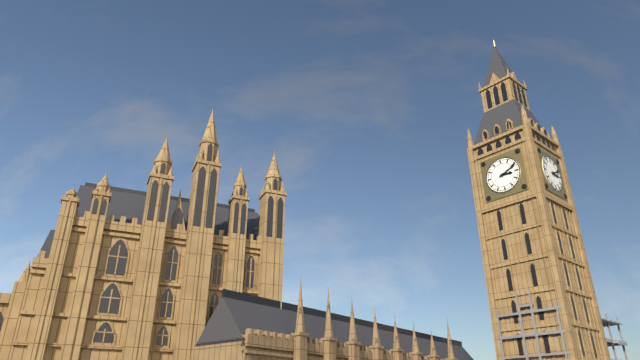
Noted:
**3:11**
